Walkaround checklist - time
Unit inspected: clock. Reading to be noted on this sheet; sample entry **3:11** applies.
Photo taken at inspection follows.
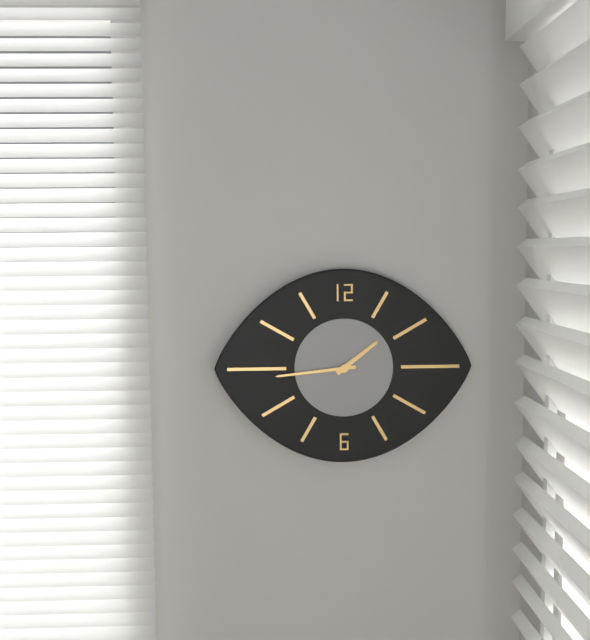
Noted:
**1:44**
